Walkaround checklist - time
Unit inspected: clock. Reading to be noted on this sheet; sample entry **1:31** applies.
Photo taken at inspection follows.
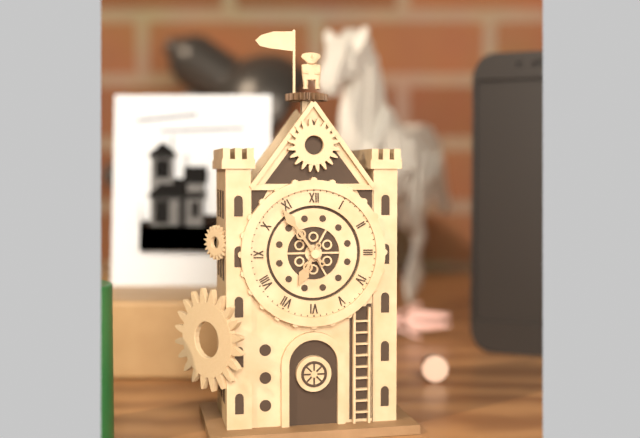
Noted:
**6:54**
